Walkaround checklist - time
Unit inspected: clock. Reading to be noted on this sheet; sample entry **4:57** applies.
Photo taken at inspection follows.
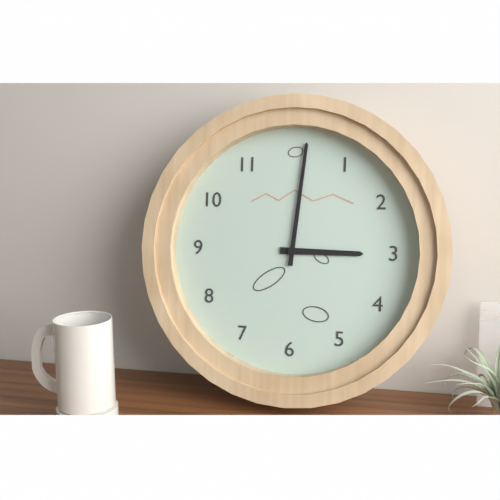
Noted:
**3:01**
